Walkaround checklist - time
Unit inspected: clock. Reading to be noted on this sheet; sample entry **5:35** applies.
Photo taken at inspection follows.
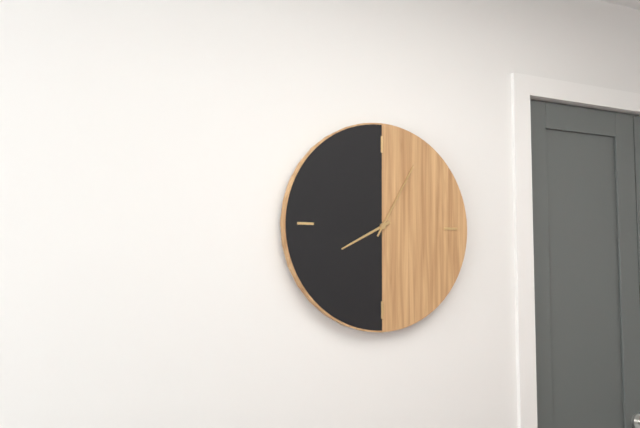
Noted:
**8:05**
